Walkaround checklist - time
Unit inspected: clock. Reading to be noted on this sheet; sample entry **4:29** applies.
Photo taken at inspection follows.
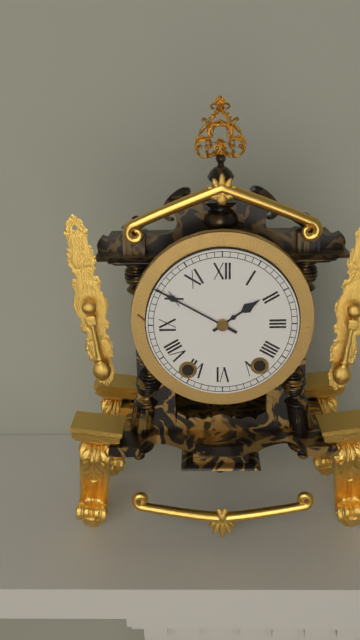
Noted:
**1:50**
